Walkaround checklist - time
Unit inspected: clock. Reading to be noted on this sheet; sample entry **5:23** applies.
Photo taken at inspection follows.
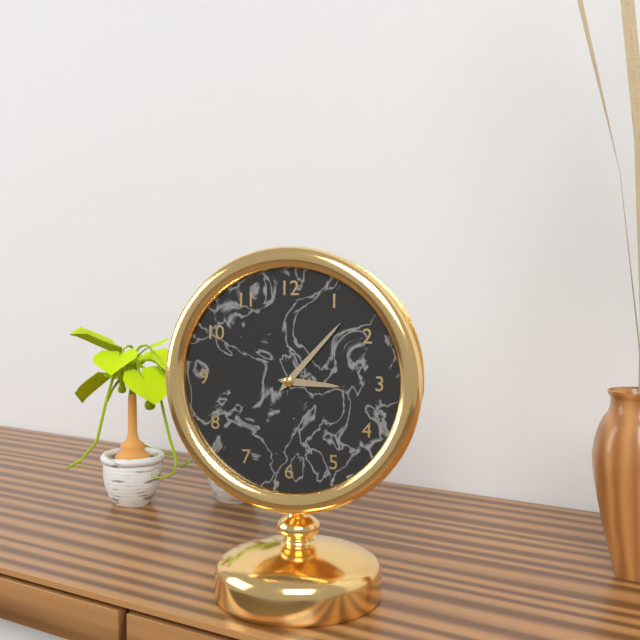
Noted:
**3:07**
